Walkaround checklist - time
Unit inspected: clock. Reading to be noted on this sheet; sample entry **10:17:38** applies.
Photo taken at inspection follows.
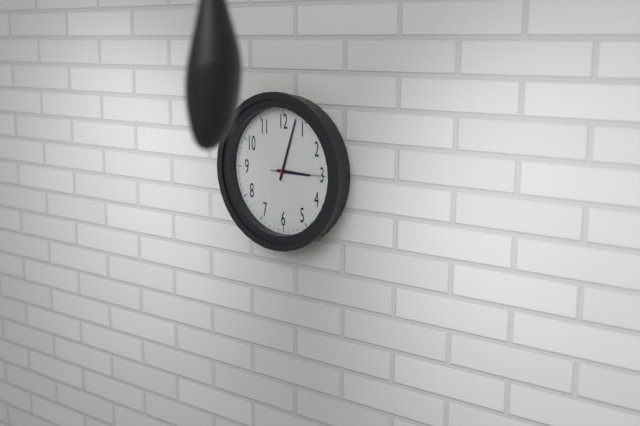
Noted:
**3:03:15**
